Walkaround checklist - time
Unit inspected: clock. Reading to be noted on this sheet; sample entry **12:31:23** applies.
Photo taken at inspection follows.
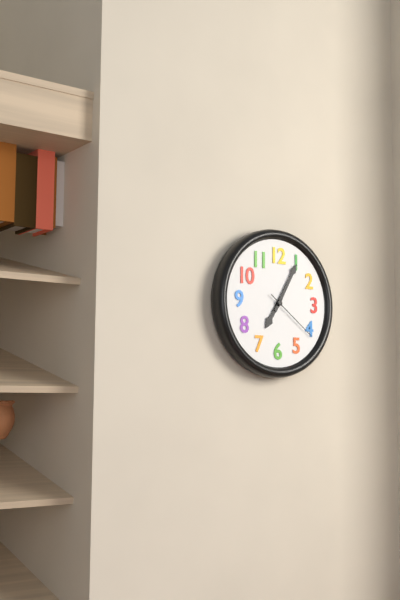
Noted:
**7:05:21**
